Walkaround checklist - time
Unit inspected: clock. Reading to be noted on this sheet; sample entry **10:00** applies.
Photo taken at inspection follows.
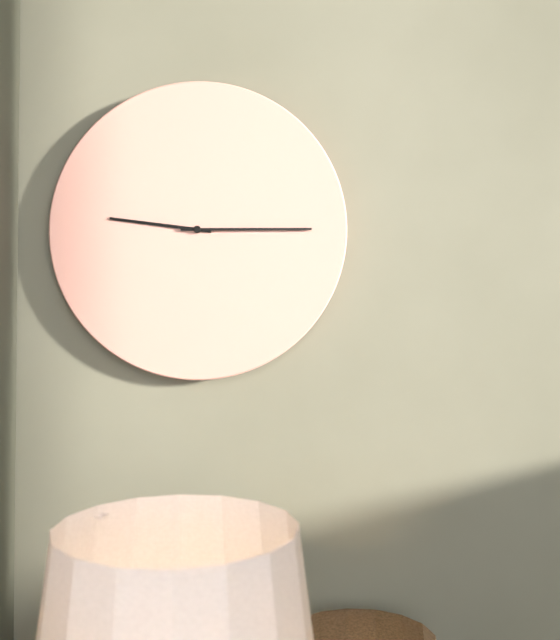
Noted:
**9:15**
